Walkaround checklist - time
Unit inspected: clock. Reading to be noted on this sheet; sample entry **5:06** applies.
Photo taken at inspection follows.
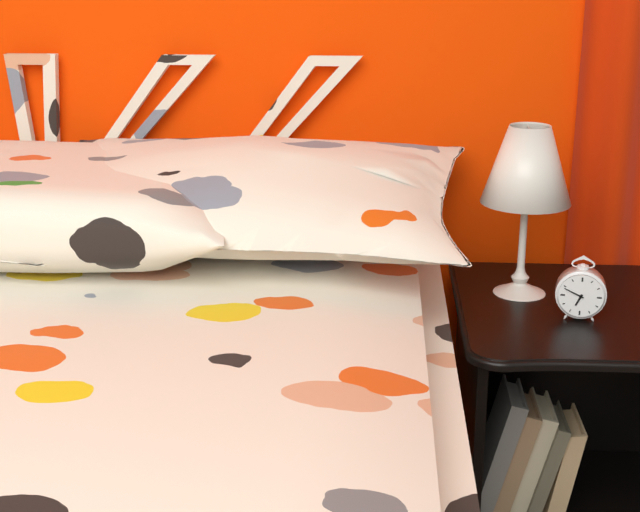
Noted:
**6:49**
